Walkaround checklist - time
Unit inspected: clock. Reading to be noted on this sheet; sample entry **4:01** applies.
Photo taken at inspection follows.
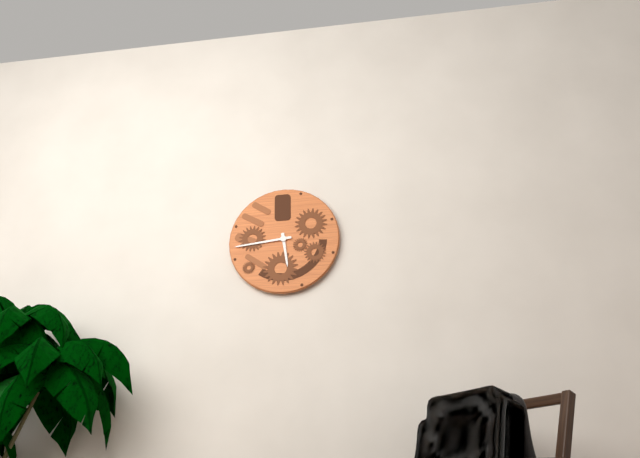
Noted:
**5:44**
